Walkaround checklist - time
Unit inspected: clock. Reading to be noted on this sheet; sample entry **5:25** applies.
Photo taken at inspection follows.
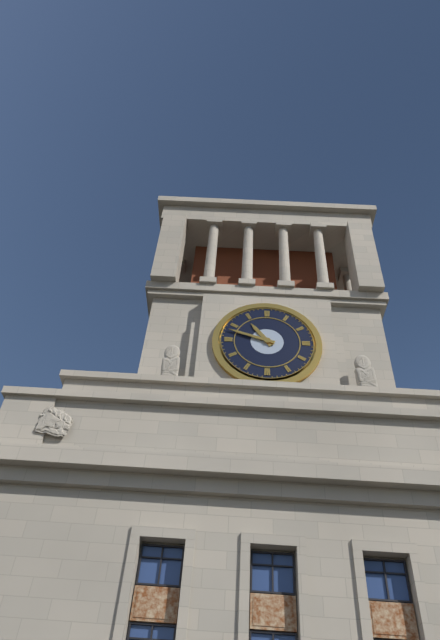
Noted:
**10:48**
